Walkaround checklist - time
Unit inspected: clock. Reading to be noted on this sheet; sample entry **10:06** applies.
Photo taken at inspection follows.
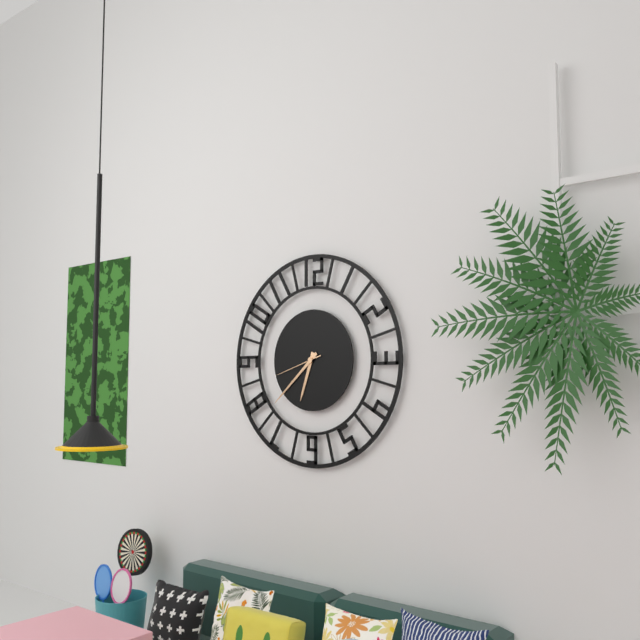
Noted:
**6:38**
